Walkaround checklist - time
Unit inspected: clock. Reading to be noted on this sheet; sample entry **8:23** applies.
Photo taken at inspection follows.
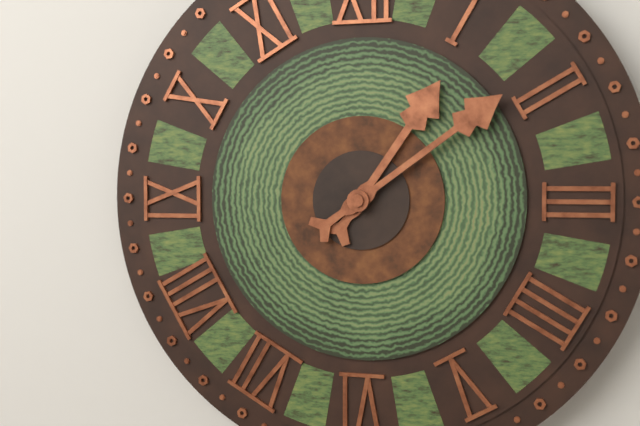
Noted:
**1:09**
